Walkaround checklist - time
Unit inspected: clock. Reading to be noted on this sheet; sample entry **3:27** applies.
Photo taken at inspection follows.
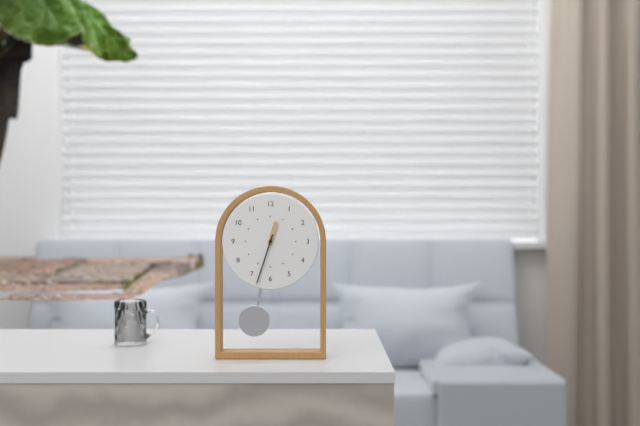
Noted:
**12:33**
